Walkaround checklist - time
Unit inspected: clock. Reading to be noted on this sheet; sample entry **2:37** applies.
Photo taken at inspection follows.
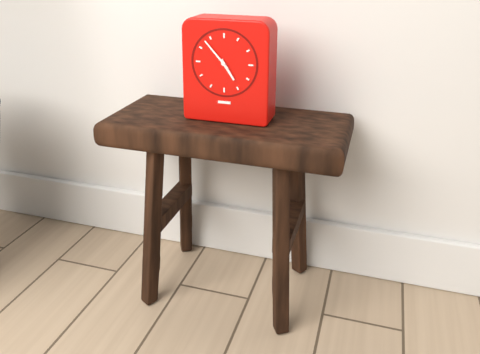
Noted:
**4:53**
